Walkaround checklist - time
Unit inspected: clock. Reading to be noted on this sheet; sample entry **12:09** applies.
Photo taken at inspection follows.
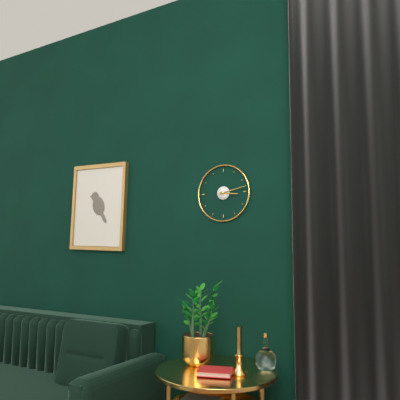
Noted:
**3:13**
